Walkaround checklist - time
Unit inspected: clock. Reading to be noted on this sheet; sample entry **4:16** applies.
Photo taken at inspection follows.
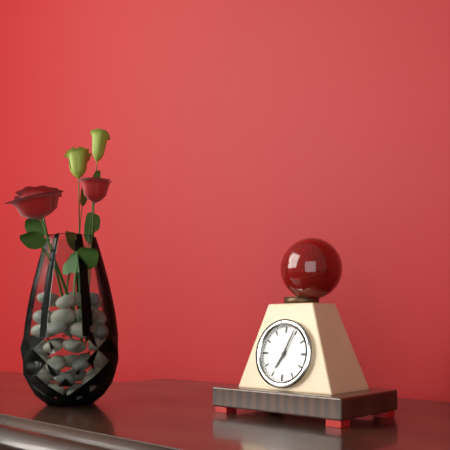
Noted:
**7:04**
